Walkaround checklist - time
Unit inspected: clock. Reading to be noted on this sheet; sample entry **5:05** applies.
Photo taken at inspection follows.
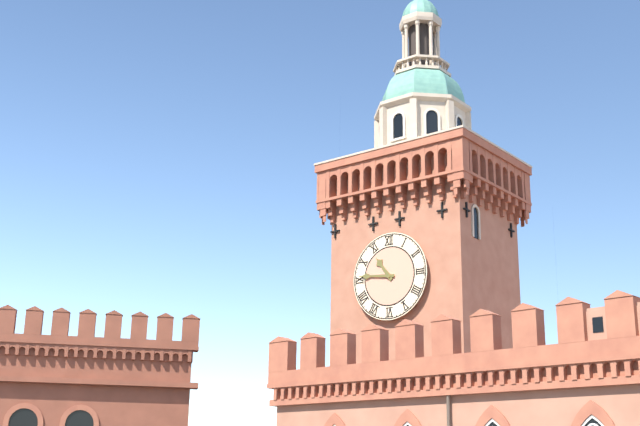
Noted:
**10:46**
